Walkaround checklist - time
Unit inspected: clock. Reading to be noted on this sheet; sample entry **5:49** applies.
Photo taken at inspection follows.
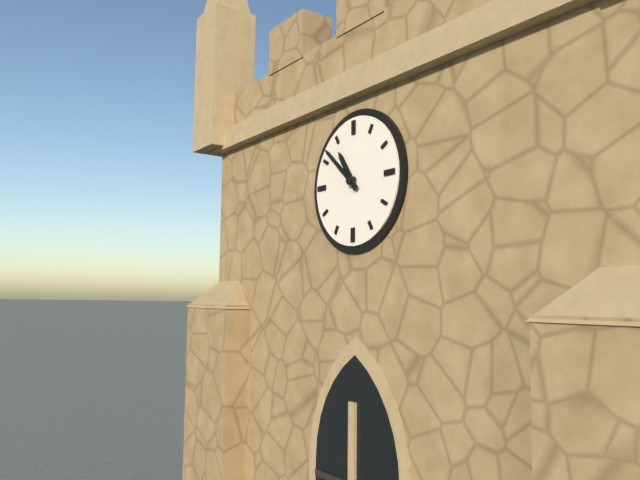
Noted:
**10:52**
